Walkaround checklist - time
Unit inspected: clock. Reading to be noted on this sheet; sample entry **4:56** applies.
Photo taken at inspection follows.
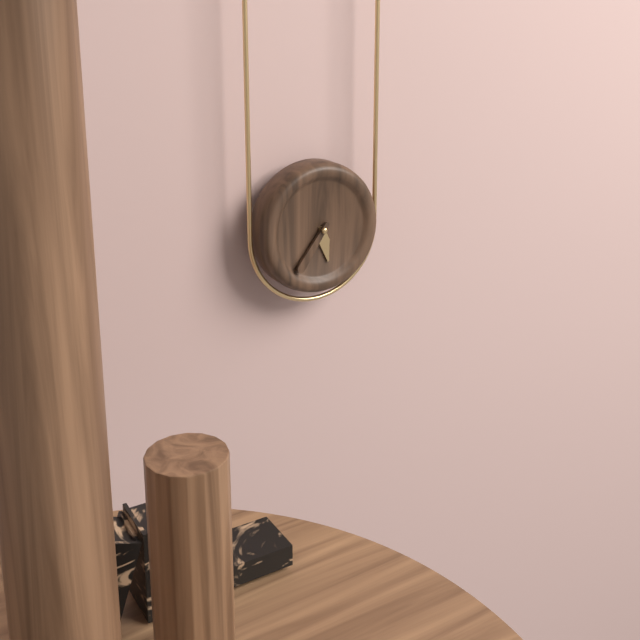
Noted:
**5:36**
